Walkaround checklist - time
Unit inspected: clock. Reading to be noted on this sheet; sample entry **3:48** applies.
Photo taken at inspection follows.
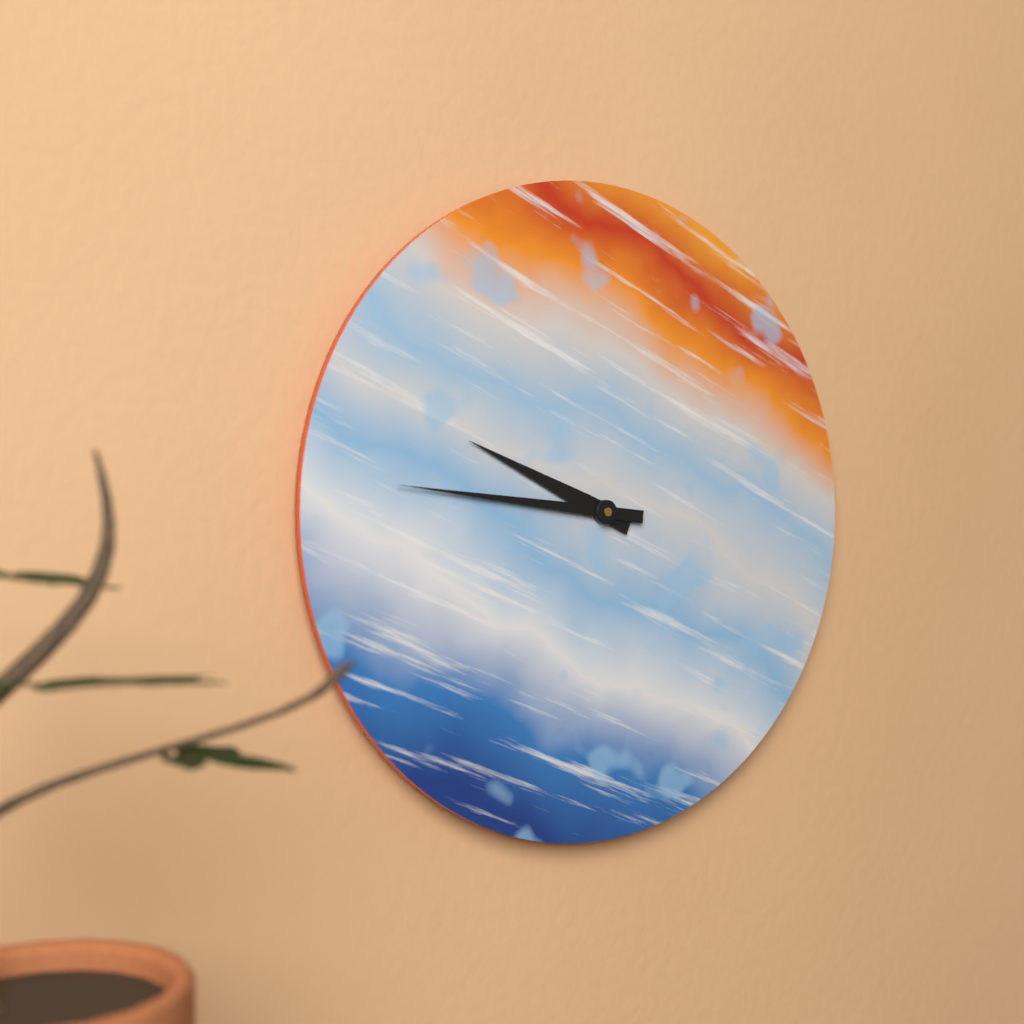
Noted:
**9:46**
